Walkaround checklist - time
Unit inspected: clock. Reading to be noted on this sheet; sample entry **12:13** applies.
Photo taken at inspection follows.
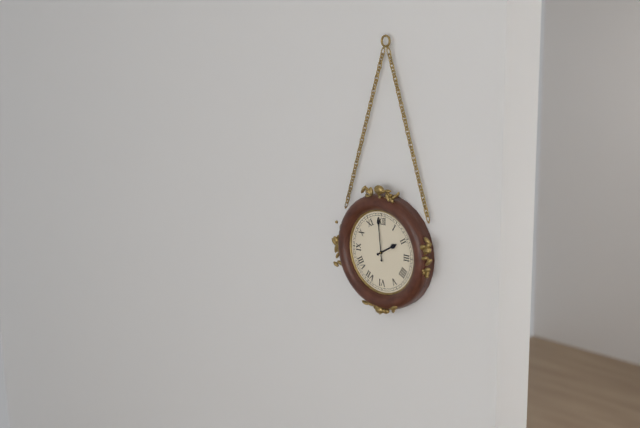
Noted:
**1:59**
